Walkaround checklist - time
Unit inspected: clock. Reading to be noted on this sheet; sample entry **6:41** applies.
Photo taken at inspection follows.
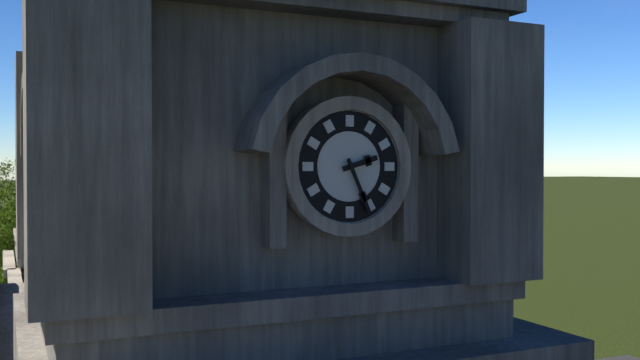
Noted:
**2:26**
